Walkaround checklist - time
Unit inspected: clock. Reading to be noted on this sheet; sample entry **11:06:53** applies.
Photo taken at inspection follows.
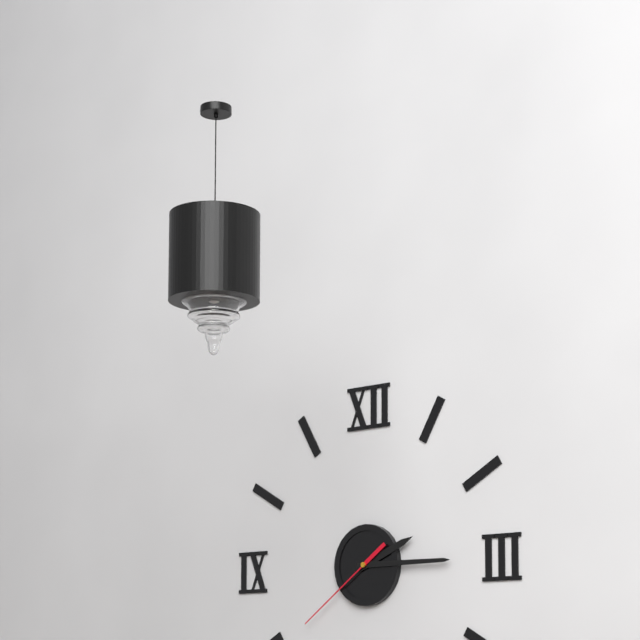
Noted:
**2:15:39**
